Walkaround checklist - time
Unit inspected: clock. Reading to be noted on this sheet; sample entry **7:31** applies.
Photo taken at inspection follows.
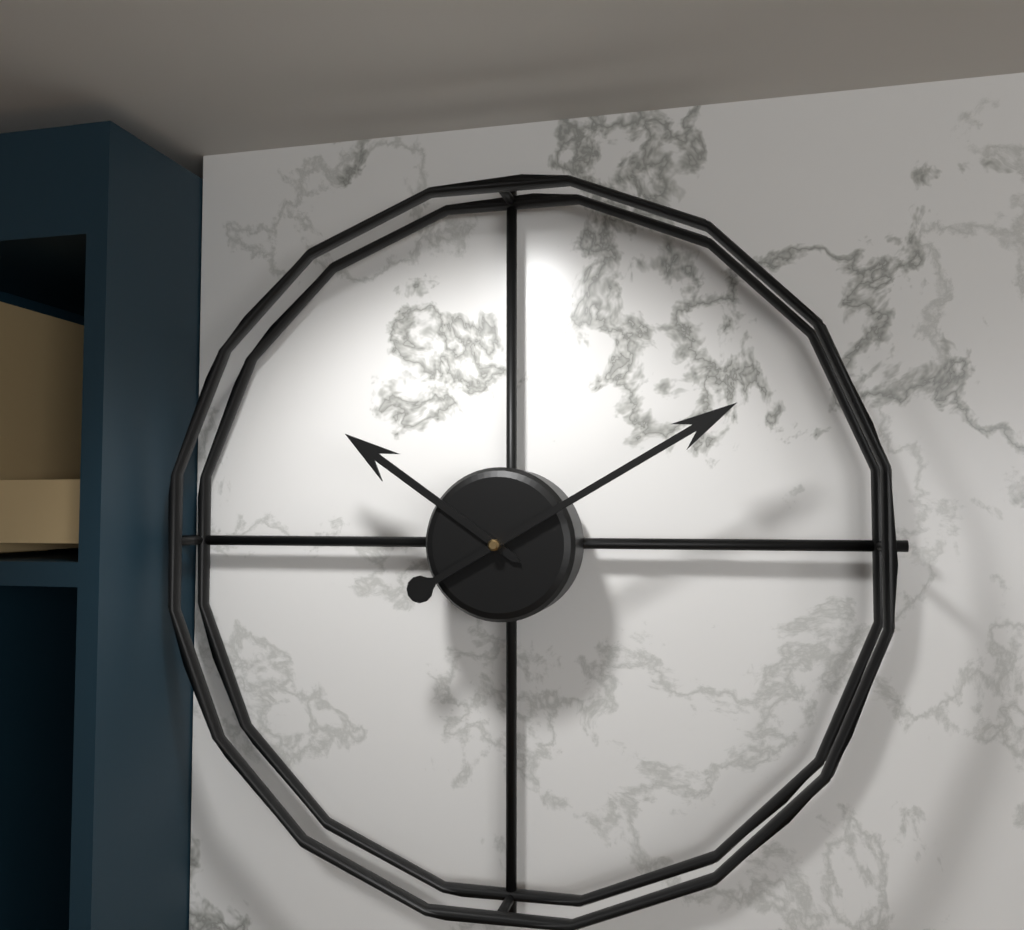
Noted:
**10:10**
